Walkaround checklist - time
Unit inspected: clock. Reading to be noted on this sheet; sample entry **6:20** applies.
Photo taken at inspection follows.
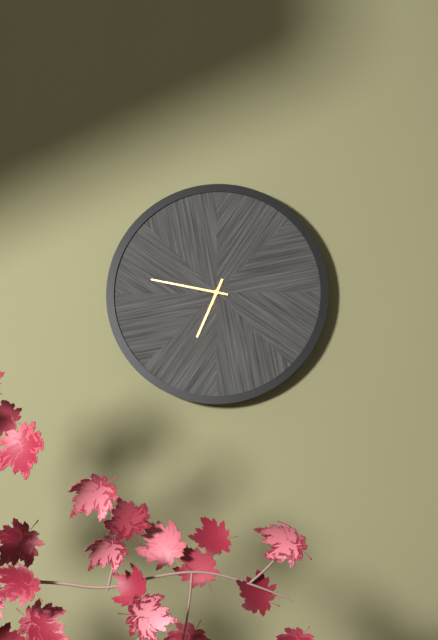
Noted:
**6:47**
